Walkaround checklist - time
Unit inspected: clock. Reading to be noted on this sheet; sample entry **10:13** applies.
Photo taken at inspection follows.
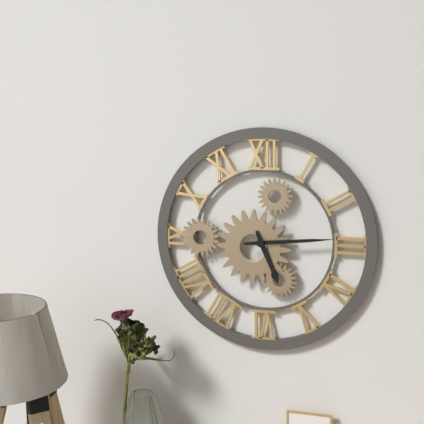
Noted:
**5:14**
